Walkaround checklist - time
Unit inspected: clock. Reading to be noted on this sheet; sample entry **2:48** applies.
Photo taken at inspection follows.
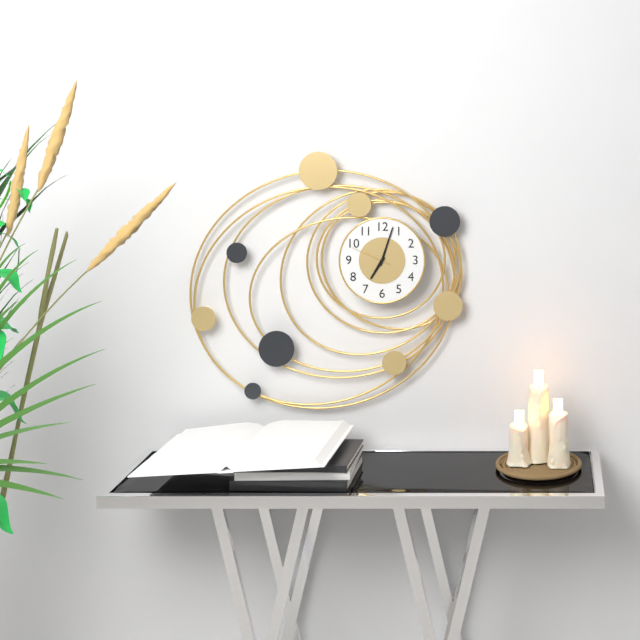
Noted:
**7:03**
